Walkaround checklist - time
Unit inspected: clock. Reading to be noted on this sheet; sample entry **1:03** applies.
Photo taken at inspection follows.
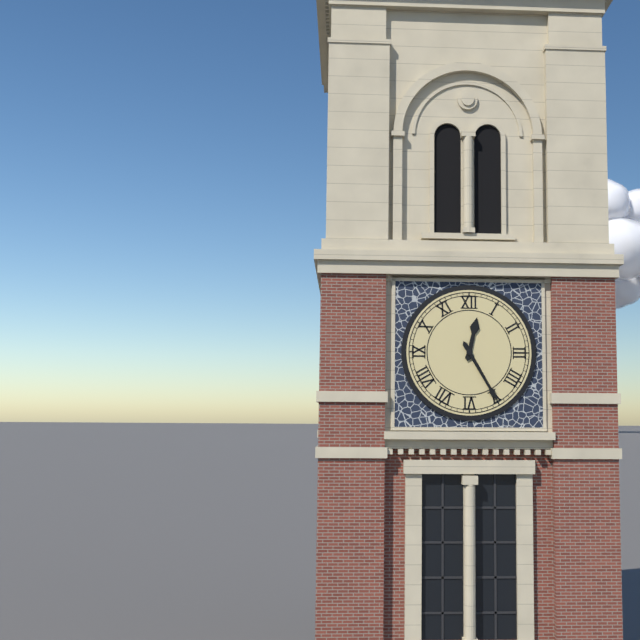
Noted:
**12:25**
